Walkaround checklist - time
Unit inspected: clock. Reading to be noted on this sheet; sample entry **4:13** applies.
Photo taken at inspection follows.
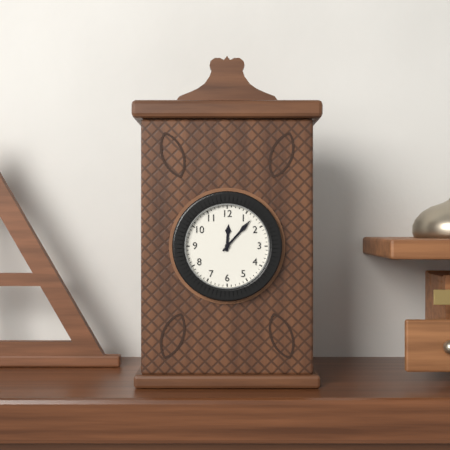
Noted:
**12:07**
